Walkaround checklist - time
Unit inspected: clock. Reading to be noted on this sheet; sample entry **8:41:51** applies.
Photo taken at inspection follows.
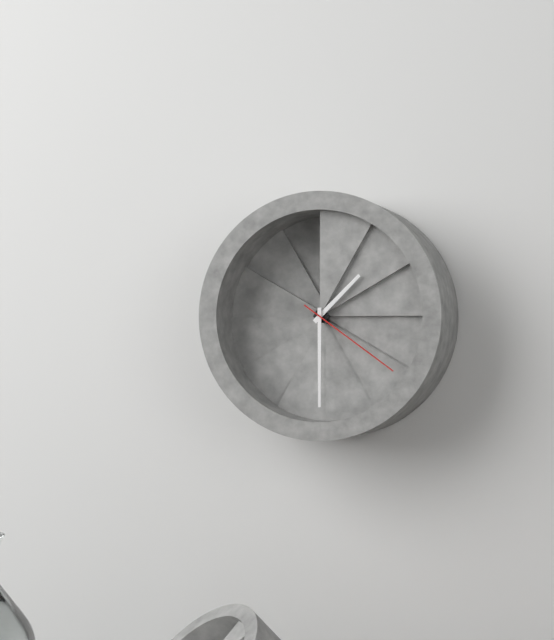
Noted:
**1:30:21**
